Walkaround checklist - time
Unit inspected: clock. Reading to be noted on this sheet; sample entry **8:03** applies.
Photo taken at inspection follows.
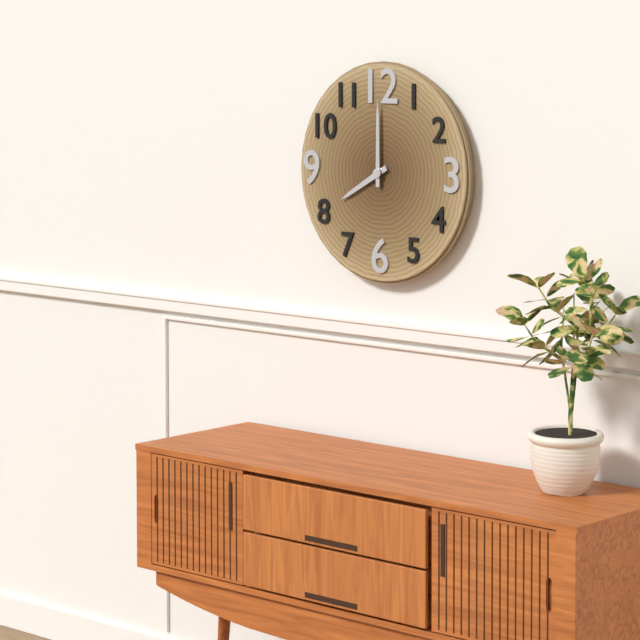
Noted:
**8:00**
